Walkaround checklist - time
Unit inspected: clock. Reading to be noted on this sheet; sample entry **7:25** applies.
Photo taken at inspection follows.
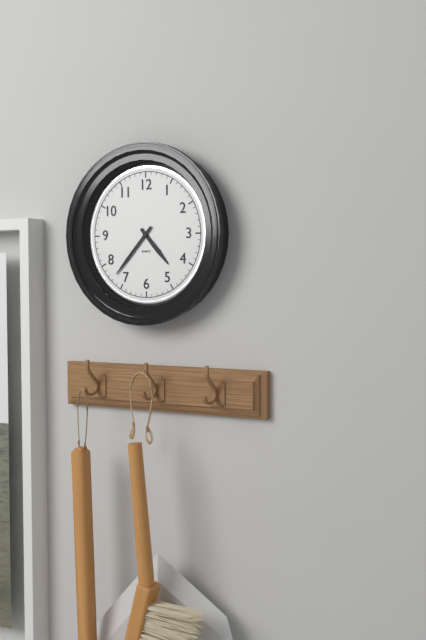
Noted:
**4:37**
